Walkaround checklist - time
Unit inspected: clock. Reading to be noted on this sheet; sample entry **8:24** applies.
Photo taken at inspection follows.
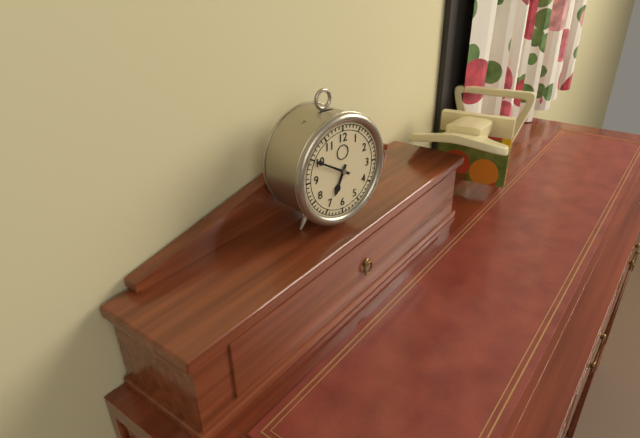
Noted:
**6:50**
